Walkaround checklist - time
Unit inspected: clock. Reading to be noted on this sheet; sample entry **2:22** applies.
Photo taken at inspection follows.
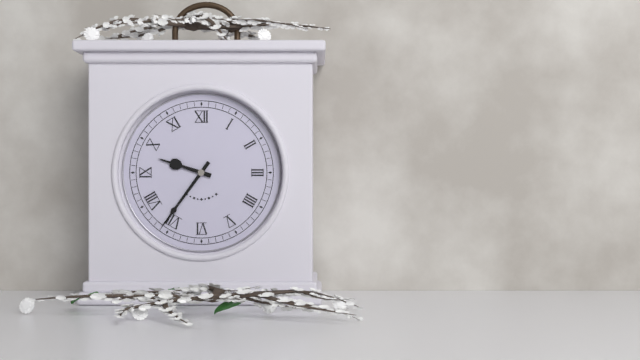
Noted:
**9:36**
